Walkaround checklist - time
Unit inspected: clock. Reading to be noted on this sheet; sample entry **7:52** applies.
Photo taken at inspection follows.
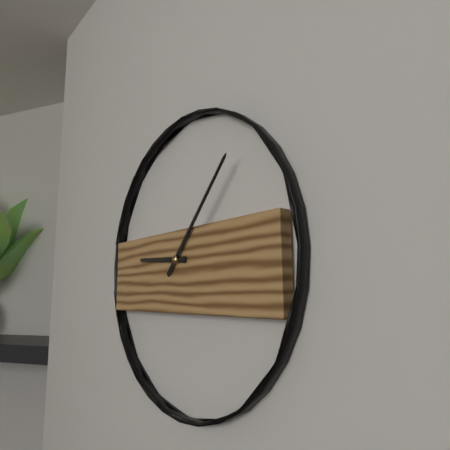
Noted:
**9:07**
